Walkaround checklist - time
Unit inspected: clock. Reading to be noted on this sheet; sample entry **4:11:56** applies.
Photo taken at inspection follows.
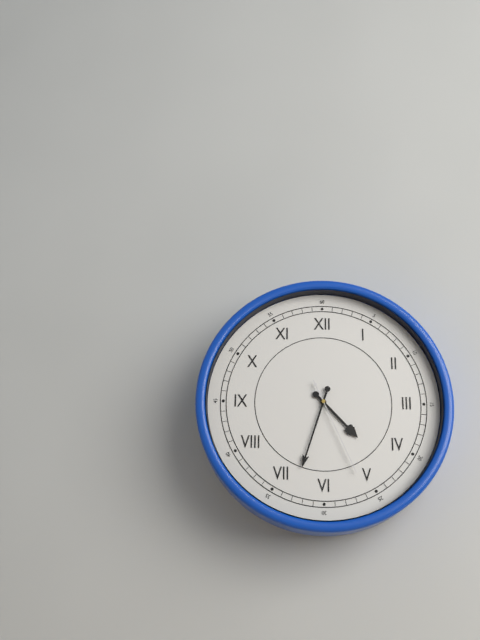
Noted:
**4:33:26**
